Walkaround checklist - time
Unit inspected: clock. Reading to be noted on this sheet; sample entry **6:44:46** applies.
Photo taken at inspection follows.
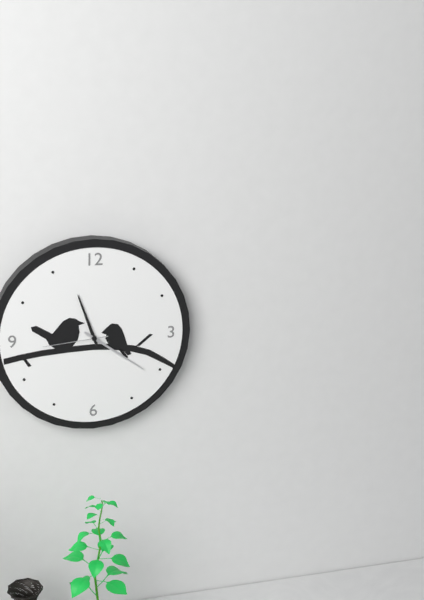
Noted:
**11:21:44**
